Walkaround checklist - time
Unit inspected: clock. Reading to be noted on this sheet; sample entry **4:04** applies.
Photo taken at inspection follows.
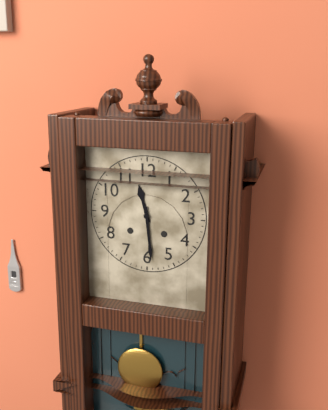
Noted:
**11:29**
